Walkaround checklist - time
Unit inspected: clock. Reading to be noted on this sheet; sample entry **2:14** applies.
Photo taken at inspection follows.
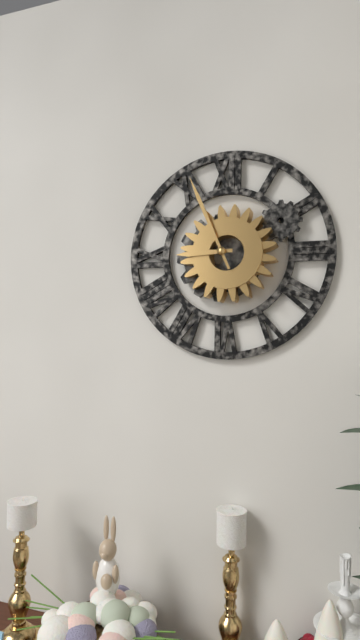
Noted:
**8:56**
